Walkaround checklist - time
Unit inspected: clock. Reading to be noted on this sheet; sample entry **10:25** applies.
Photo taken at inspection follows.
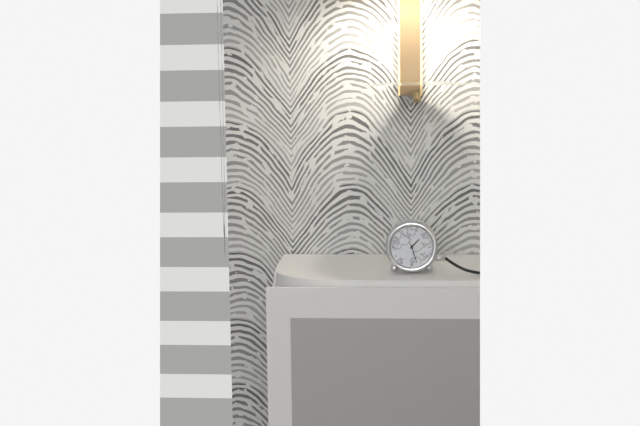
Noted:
**1:27**
